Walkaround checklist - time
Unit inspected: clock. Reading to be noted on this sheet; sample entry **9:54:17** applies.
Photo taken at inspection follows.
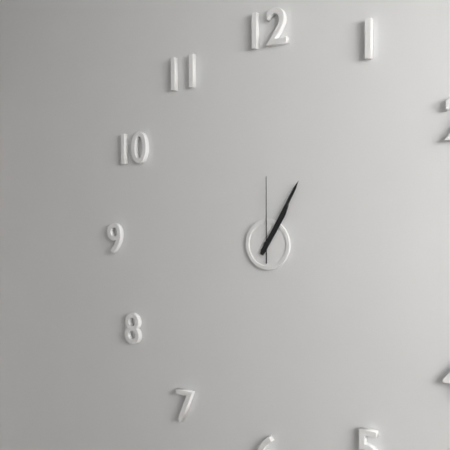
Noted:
**1:05:00**
